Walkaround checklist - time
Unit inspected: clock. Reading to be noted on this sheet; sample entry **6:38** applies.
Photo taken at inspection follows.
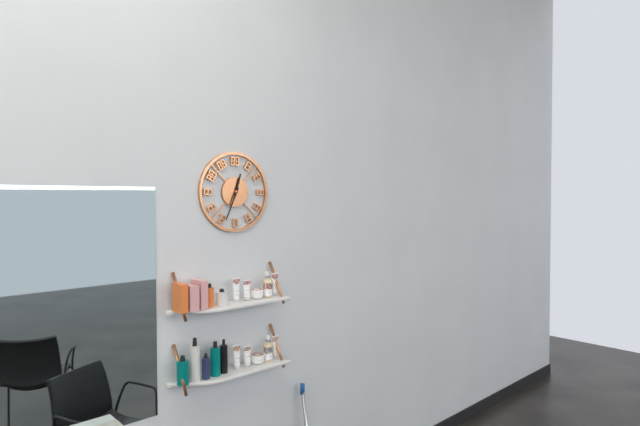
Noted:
**12:34**
